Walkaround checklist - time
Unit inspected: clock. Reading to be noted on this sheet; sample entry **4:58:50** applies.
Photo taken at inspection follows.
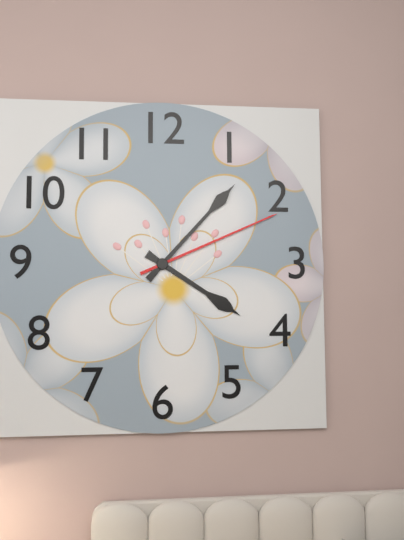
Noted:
**4:07:11**
